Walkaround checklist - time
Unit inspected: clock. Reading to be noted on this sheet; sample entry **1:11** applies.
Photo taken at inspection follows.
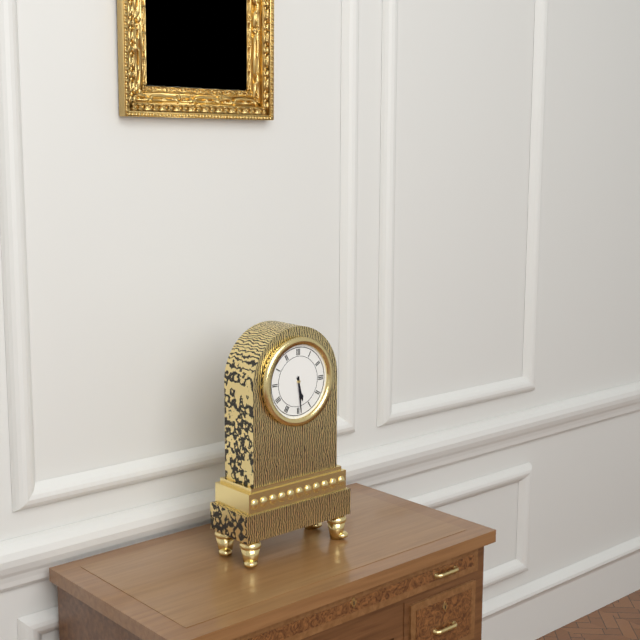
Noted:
**5:29**
